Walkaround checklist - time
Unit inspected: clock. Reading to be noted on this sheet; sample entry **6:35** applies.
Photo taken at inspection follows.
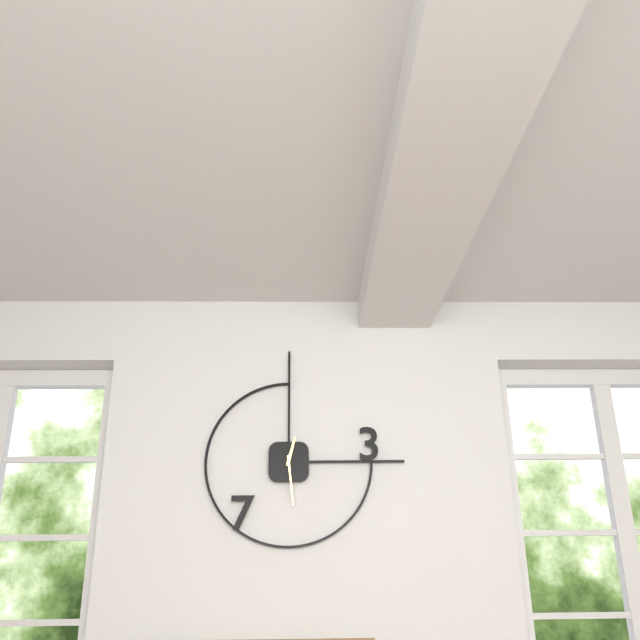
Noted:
**12:29**
